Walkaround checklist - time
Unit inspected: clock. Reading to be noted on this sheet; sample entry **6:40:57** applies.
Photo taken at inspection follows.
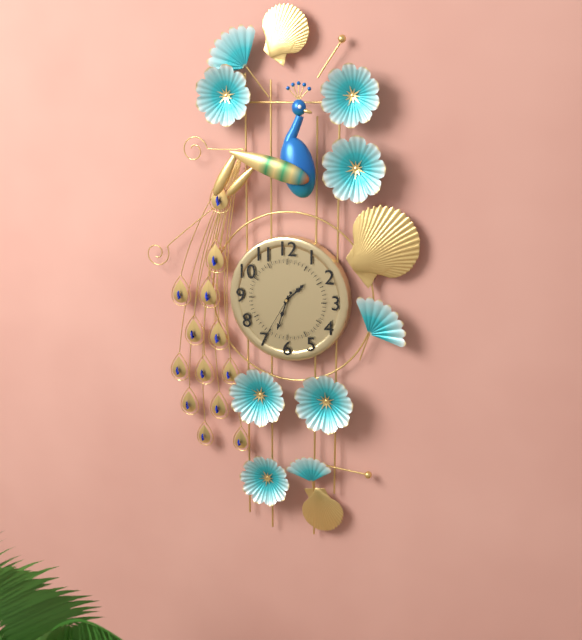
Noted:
**1:33:35**
